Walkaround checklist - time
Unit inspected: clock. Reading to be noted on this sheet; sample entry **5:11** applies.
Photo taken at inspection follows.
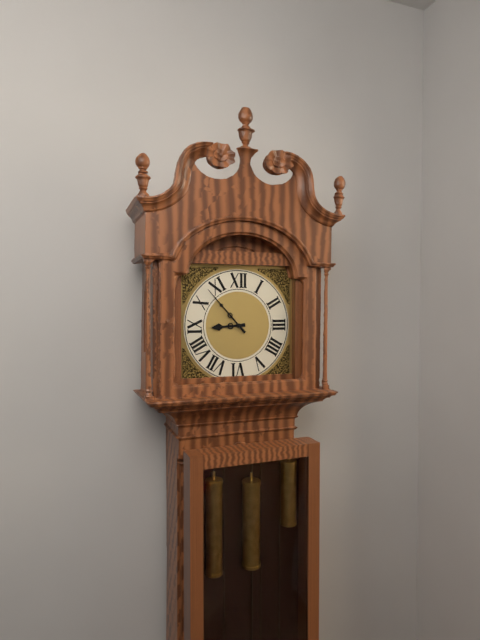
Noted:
**8:53**
